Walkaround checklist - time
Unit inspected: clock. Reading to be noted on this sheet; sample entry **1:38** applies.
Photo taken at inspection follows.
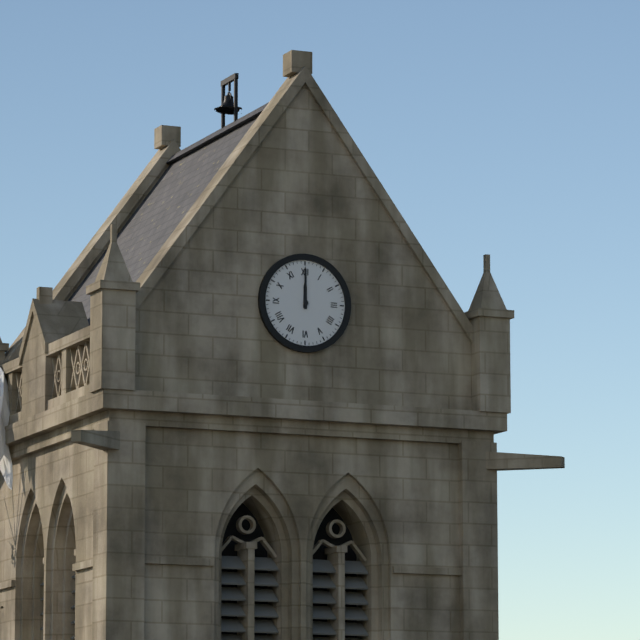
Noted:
**12:00**
